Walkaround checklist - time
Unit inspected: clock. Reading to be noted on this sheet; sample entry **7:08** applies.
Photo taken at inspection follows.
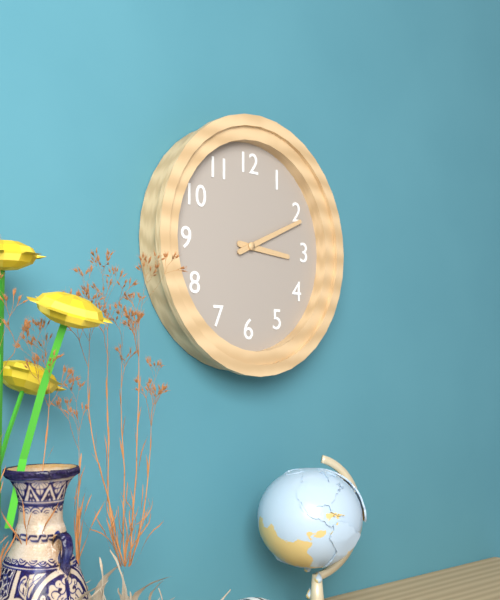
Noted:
**3:11**
